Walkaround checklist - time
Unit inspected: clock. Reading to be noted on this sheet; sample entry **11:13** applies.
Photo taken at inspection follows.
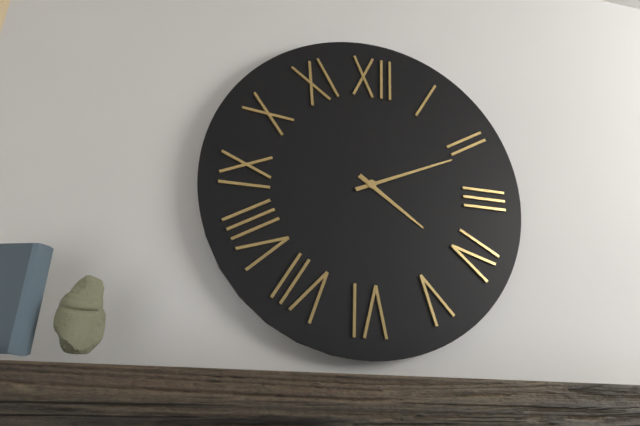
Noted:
**4:11**
